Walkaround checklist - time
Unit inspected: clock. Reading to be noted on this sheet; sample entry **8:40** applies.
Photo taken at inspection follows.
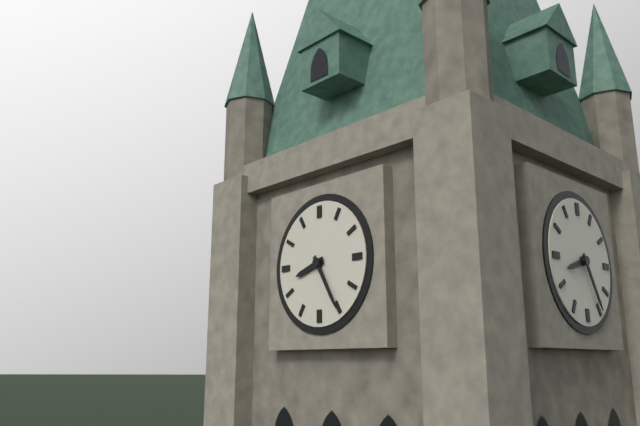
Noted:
**8:25**
